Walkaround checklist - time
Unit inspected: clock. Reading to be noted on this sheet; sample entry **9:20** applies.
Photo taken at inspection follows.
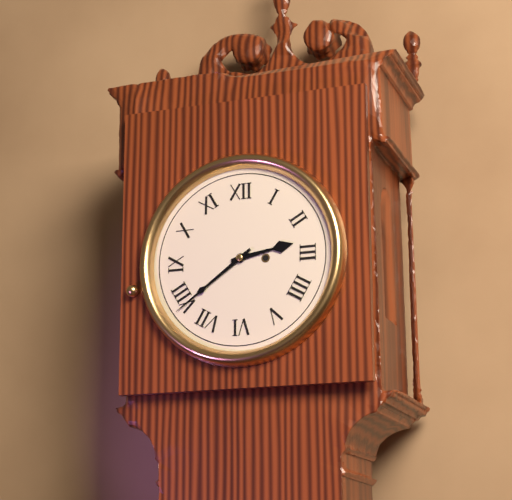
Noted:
**2:39**
